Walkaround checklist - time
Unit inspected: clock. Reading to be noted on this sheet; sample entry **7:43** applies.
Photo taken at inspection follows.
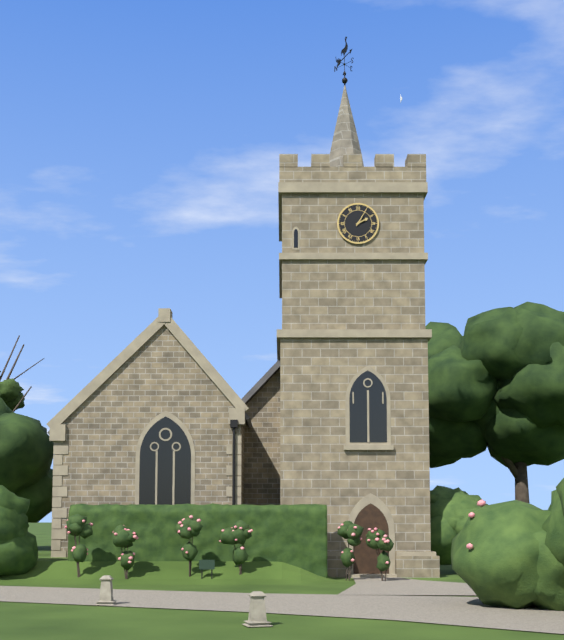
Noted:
**2:05**
